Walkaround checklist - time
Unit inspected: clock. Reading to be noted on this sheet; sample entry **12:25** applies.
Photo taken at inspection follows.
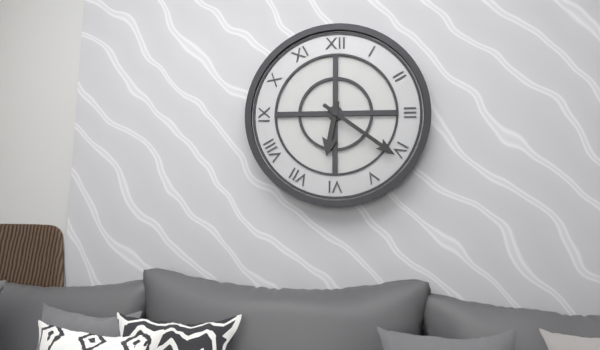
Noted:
**6:21**
